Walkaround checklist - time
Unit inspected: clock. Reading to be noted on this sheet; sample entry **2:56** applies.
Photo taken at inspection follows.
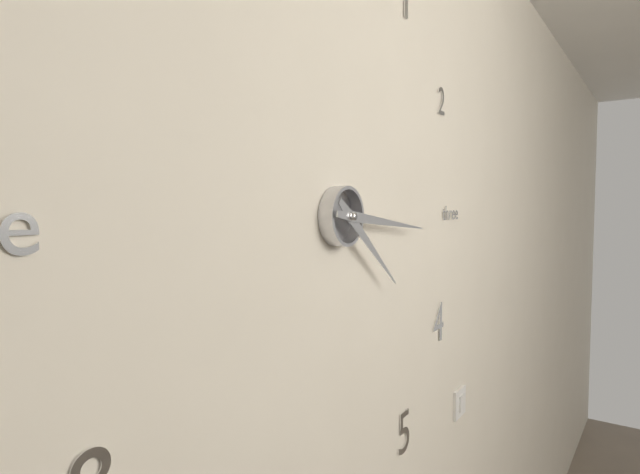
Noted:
**4:16**
